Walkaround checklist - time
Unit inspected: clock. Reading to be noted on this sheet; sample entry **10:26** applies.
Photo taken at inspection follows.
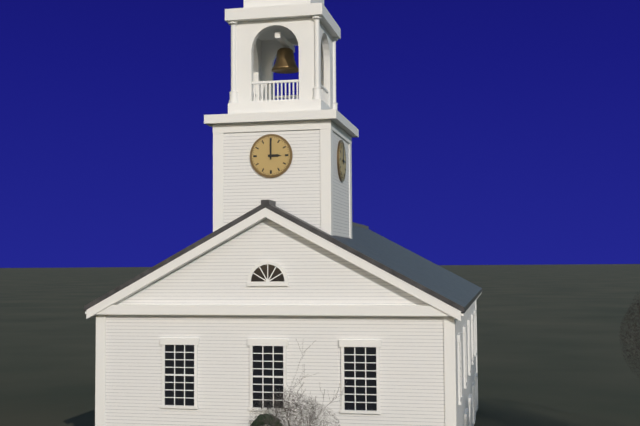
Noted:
**3:00**
